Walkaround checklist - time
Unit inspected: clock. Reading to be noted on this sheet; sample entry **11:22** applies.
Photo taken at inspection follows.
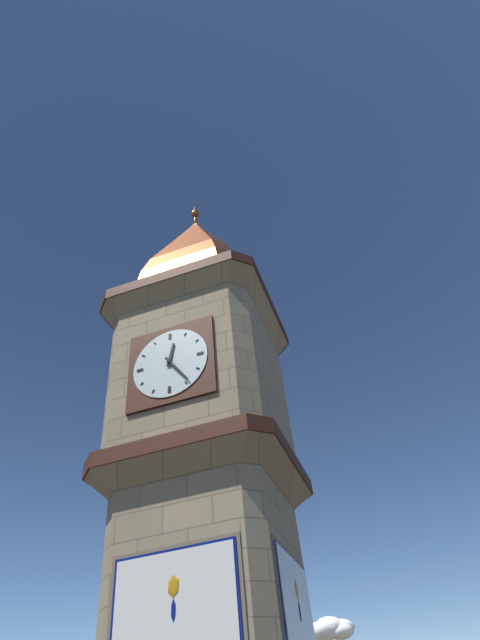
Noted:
**12:24**
